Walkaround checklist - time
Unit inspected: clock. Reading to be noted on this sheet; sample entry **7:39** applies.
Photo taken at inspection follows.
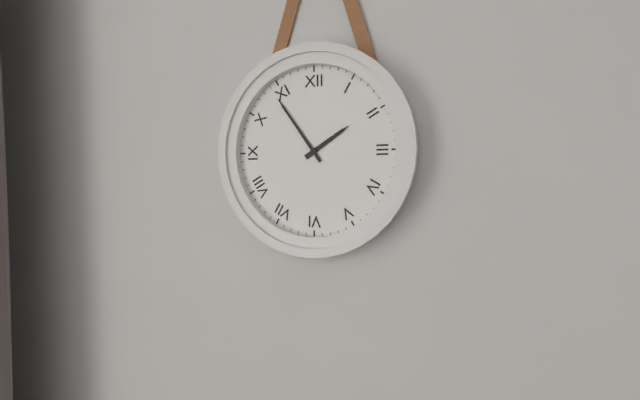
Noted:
**1:54**
